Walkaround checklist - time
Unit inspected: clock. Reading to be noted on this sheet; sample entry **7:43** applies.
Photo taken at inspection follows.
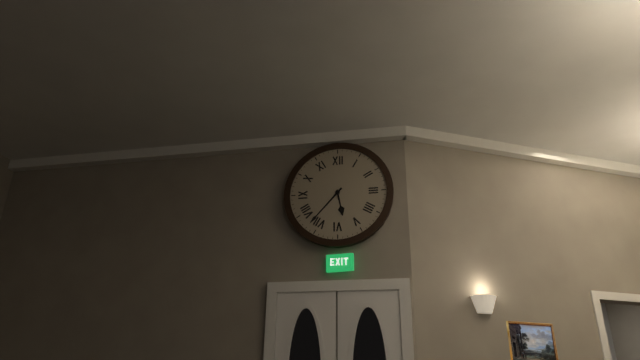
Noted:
**5:37**
